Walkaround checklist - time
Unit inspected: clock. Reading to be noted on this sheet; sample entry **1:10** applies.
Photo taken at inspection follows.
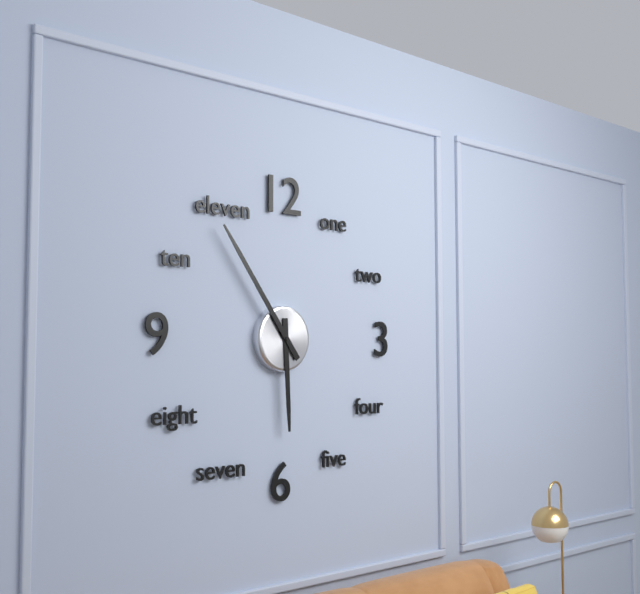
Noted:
**5:54**
